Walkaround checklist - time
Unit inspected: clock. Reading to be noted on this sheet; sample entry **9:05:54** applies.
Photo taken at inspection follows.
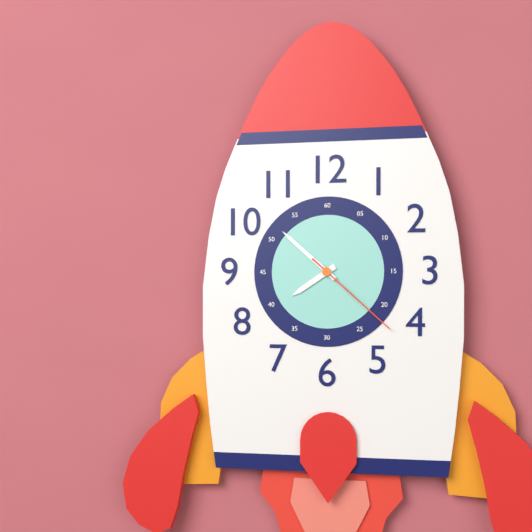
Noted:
**7:52:22**
